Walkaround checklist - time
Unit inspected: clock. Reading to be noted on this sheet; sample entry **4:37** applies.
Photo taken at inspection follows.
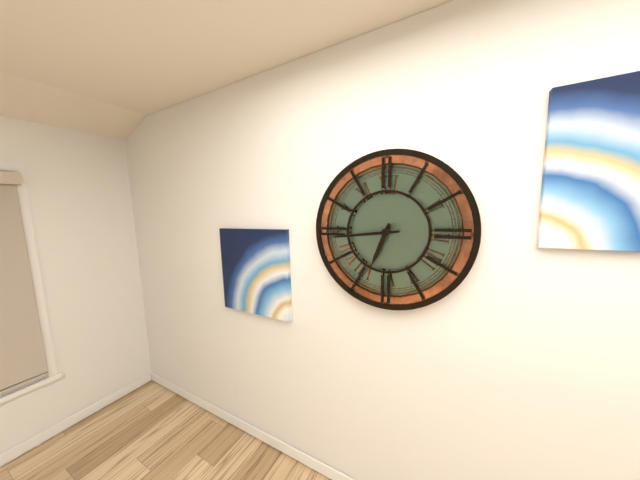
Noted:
**6:44**
